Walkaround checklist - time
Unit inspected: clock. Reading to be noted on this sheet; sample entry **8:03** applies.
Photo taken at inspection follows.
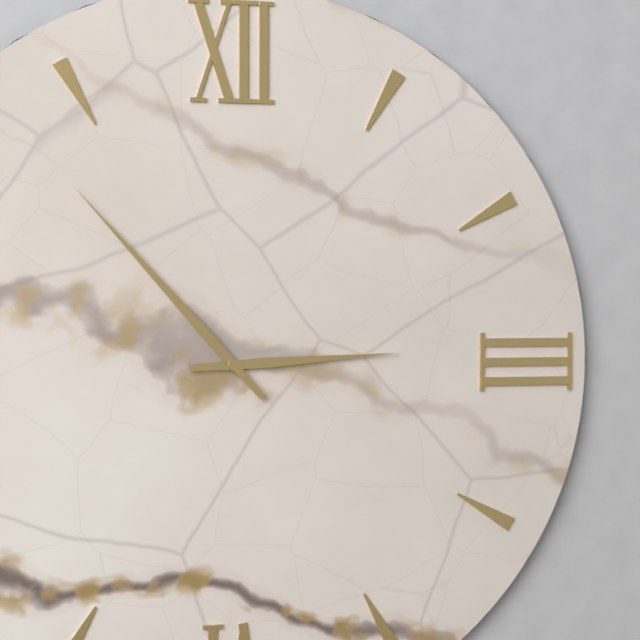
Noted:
**2:53**
